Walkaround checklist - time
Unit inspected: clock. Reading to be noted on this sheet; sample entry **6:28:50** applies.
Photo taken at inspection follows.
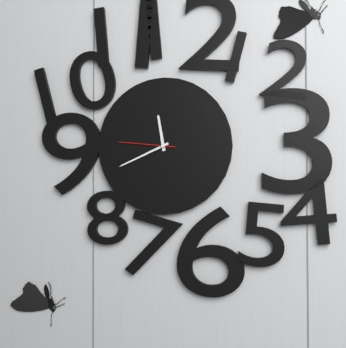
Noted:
**11:41:46**
